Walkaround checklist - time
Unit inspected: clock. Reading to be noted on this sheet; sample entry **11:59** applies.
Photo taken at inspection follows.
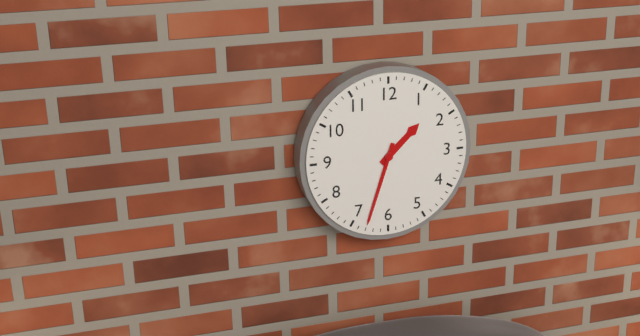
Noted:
**1:33**
